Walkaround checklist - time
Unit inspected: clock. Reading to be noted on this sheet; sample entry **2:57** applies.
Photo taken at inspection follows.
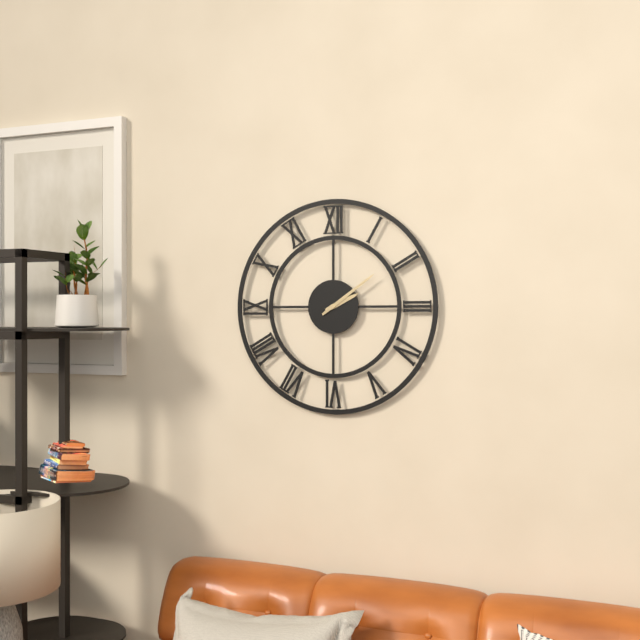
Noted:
**2:09**
